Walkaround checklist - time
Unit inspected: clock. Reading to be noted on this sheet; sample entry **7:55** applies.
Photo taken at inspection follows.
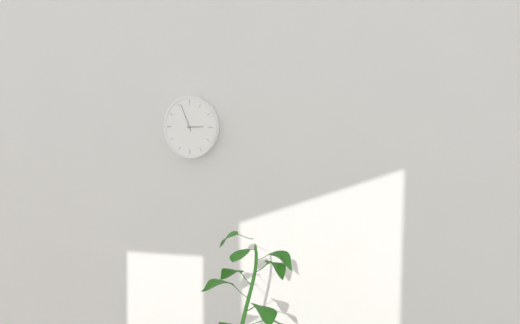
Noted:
**2:56**
